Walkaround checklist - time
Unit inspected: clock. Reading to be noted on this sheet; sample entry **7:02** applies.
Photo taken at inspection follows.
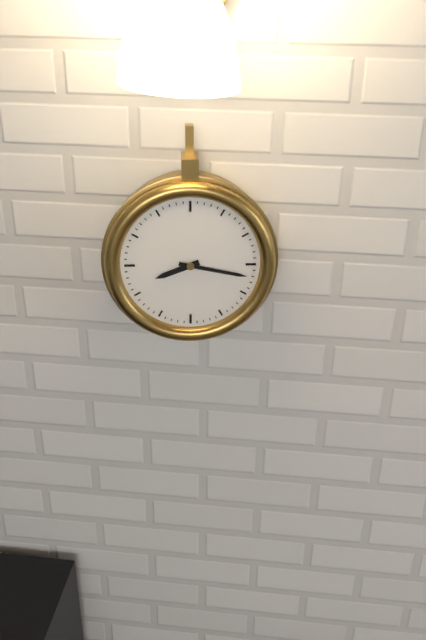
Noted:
**8:17**
